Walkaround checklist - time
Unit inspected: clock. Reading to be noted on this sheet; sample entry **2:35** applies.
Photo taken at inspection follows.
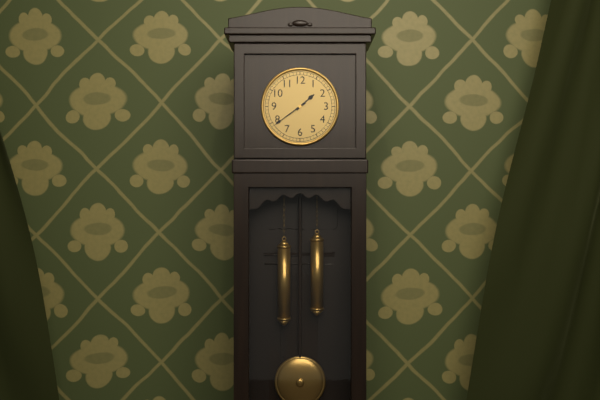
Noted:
**1:39**
